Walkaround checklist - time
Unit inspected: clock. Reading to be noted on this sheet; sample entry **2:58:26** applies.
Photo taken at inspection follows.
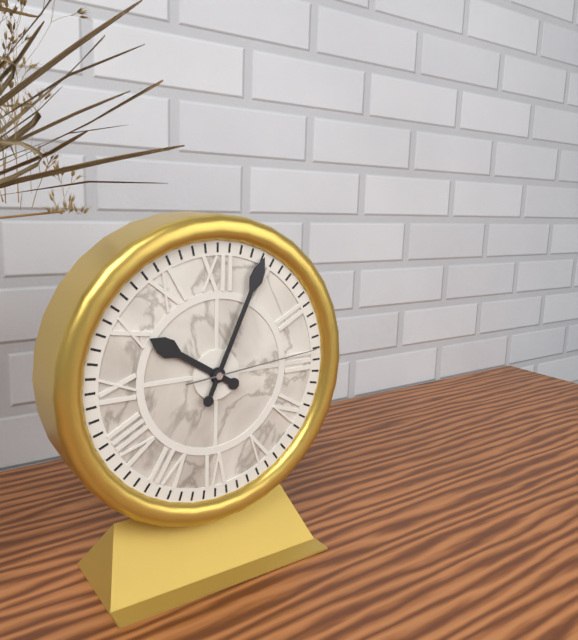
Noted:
**10:04:14**
